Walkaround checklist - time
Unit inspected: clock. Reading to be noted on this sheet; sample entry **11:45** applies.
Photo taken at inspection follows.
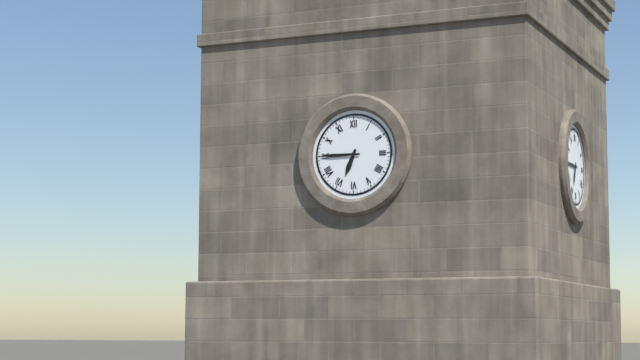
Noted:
**6:45**
